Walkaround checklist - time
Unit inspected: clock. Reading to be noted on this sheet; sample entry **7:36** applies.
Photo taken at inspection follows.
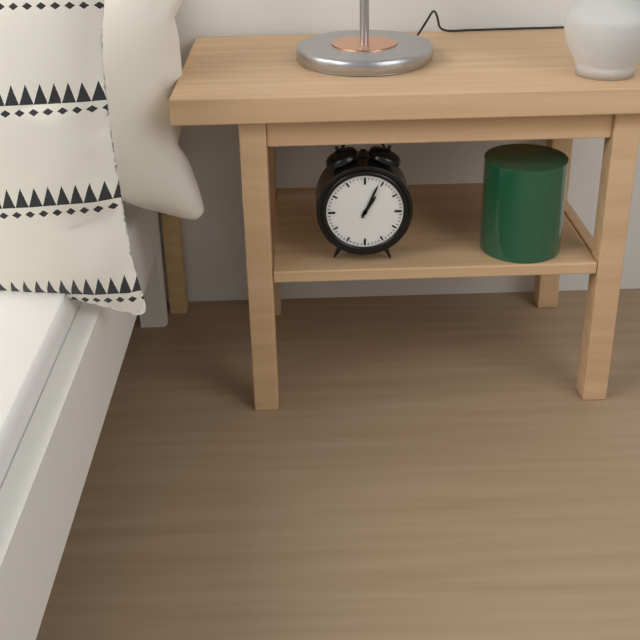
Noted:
**1:04**
